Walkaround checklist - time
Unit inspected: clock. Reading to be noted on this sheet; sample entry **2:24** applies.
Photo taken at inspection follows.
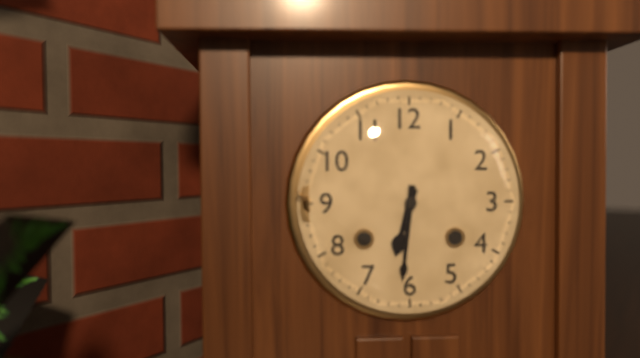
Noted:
**6:31**
